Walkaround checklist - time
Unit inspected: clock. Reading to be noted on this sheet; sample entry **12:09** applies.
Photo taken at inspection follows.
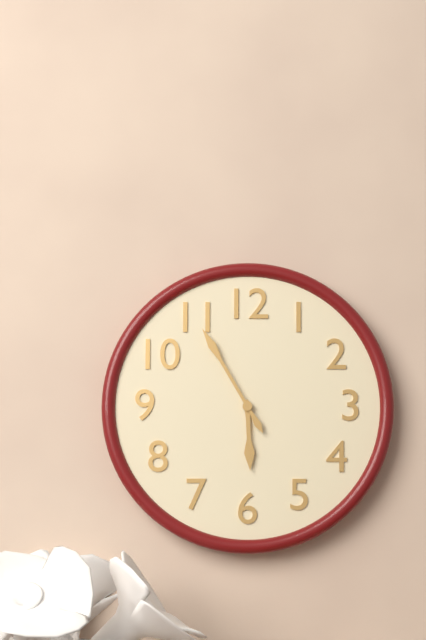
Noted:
**5:55**
